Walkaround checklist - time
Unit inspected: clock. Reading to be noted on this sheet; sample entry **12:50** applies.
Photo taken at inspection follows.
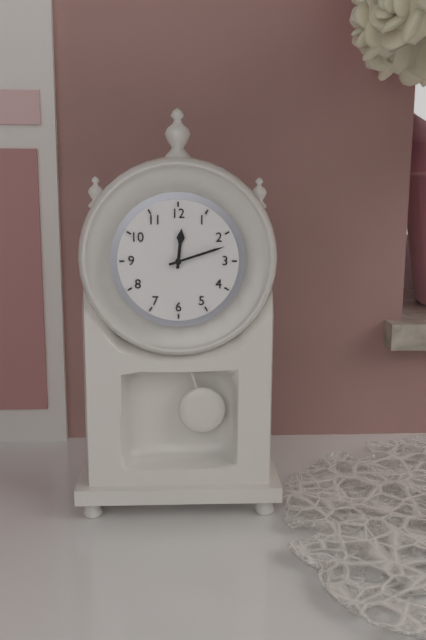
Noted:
**12:12**
